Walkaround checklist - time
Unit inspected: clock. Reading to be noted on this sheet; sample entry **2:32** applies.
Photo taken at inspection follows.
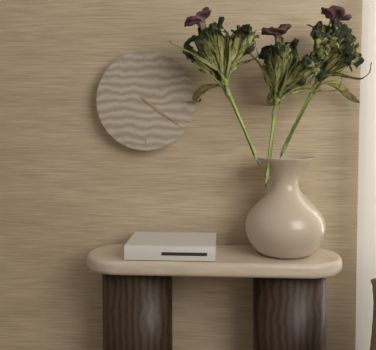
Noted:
**4:21**
